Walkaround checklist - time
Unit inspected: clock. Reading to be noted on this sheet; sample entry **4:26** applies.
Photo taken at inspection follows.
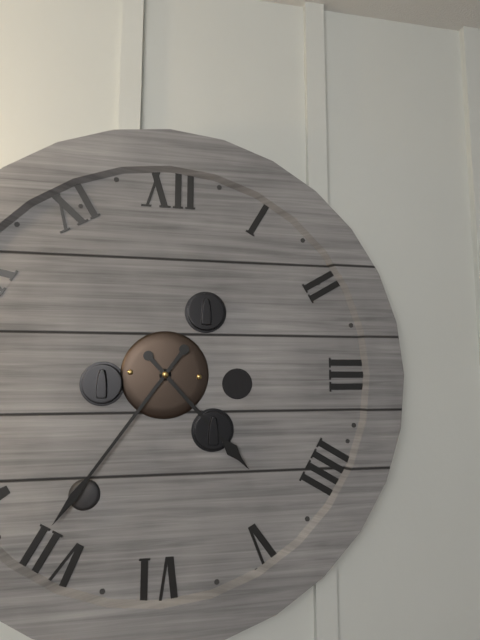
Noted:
**4:36**
